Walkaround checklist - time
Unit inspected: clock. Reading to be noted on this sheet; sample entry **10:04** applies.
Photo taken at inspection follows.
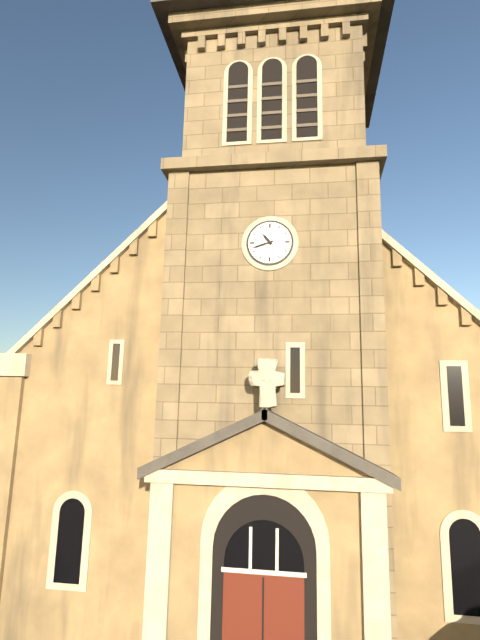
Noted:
**10:42**
